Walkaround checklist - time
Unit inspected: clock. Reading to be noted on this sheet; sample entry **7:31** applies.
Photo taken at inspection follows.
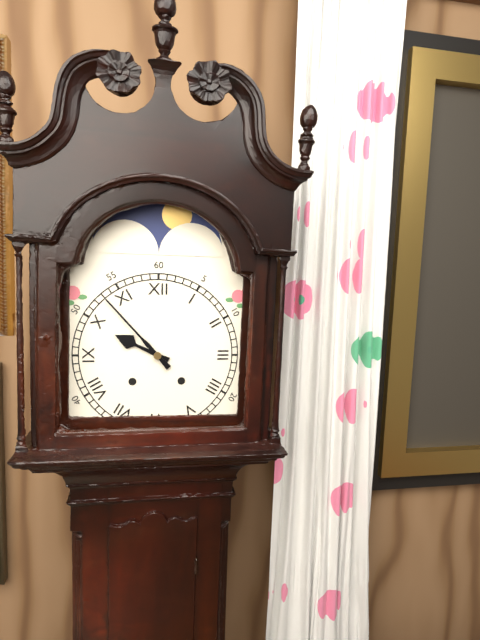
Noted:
**9:53**
